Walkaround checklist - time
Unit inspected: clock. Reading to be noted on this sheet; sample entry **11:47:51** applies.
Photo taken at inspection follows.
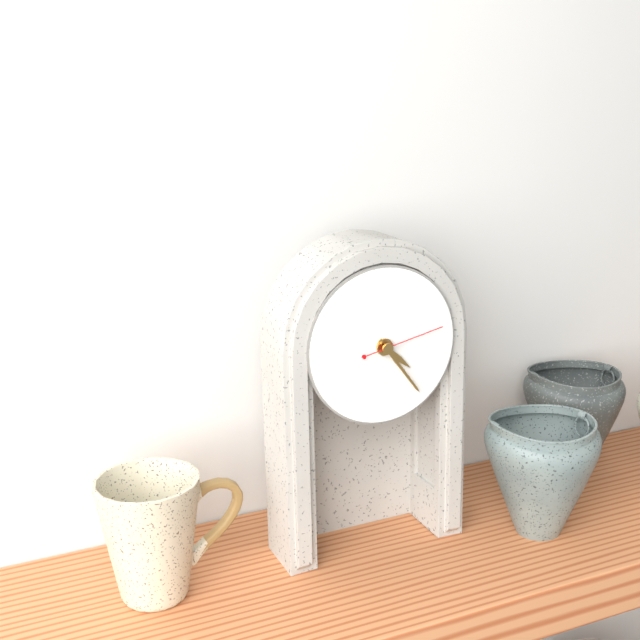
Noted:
**4:24:13**
